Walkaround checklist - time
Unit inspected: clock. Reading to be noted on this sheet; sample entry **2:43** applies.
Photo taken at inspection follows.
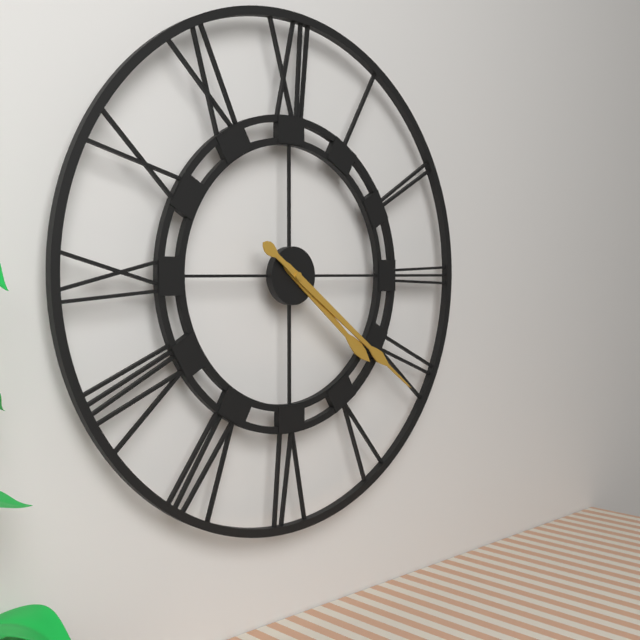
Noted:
**4:21**
